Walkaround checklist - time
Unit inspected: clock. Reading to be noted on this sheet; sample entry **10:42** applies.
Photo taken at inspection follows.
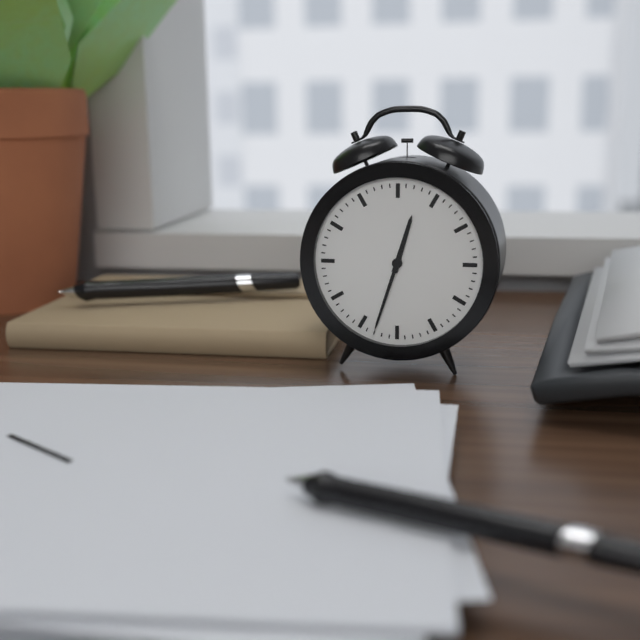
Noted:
**12:33**
